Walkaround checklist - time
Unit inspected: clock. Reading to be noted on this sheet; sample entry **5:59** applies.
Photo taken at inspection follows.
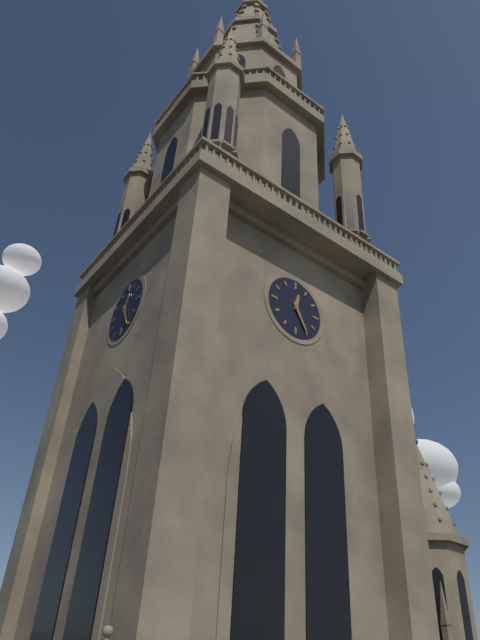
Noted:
**12:25**
